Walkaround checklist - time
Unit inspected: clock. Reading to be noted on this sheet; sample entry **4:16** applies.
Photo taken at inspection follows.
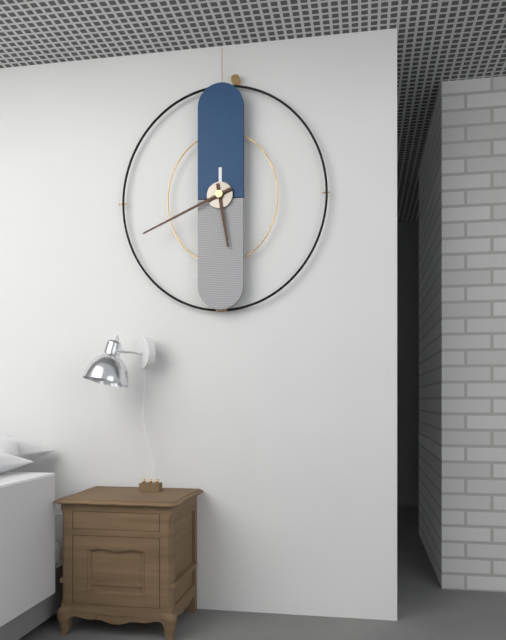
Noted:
**5:41**
